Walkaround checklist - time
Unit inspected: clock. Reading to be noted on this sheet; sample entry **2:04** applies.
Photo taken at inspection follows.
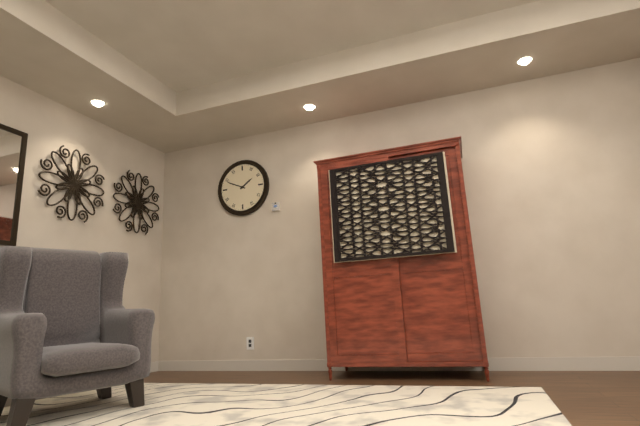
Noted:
**1:49**
